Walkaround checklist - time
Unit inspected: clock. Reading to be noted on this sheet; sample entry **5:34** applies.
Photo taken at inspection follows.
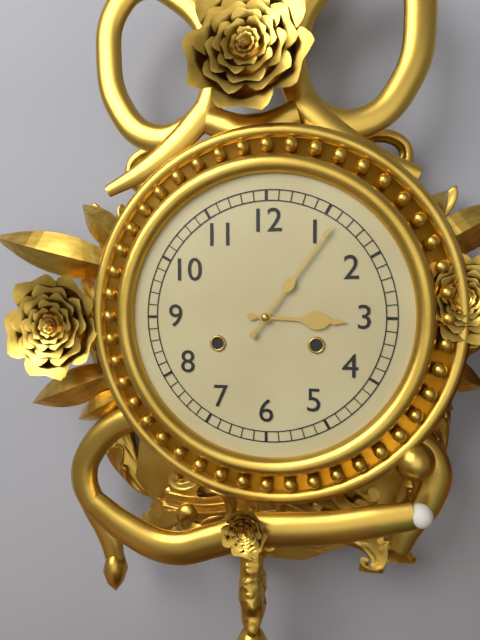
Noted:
**3:06**
